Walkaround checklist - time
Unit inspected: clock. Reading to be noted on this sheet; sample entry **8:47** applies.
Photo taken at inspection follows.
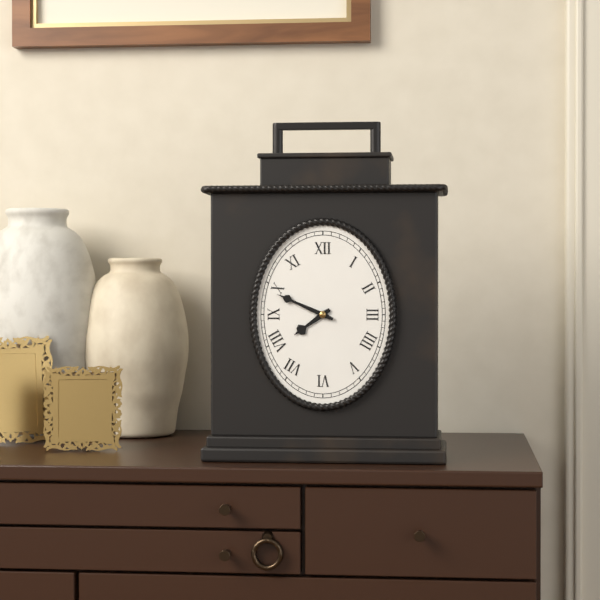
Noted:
**7:49**
